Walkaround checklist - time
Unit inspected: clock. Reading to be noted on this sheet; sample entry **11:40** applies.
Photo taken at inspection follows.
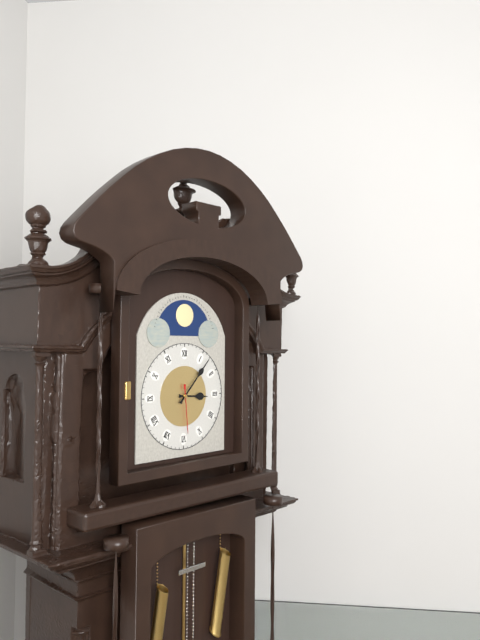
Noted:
**3:07**
